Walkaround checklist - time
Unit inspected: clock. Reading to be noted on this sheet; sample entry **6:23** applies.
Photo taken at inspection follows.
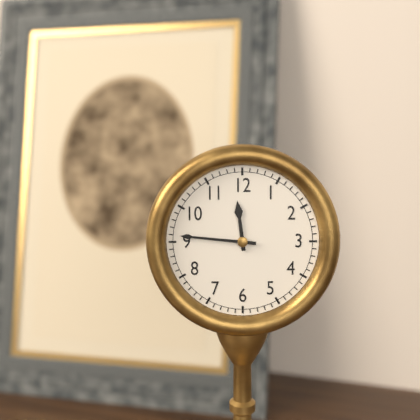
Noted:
**11:46**
